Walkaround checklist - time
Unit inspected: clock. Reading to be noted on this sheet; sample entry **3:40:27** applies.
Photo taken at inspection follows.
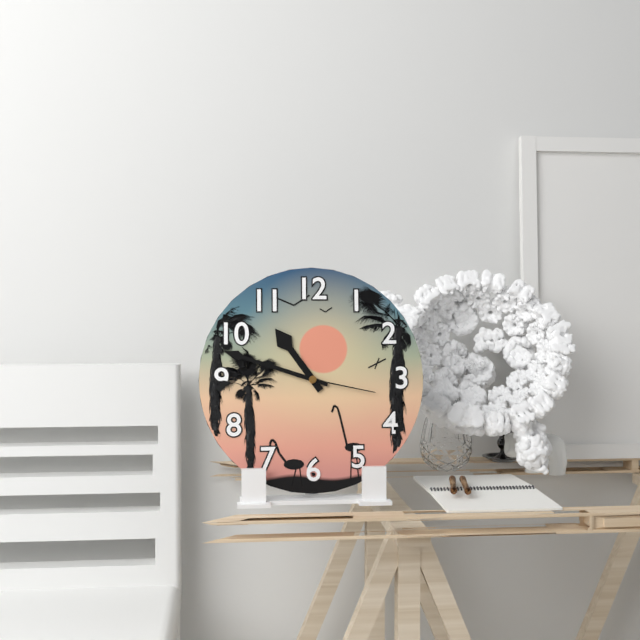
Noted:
**10:48:17**
